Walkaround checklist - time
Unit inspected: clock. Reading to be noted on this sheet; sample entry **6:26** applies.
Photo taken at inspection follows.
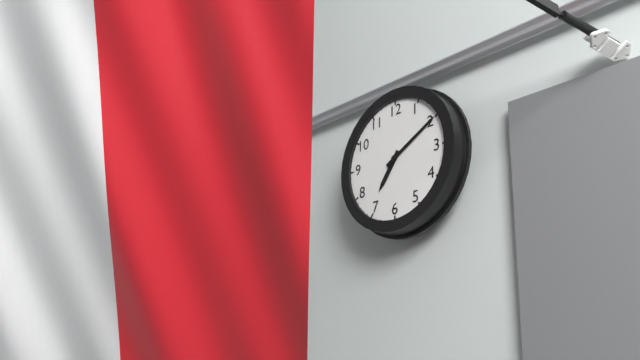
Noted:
**7:10**
